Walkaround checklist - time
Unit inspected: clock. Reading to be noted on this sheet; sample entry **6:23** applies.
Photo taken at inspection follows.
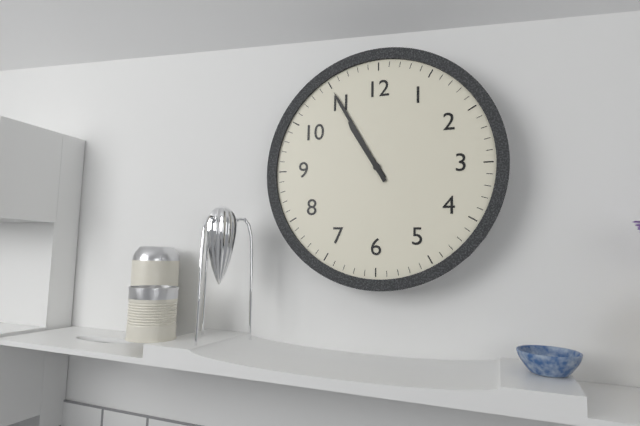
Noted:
**10:55**
